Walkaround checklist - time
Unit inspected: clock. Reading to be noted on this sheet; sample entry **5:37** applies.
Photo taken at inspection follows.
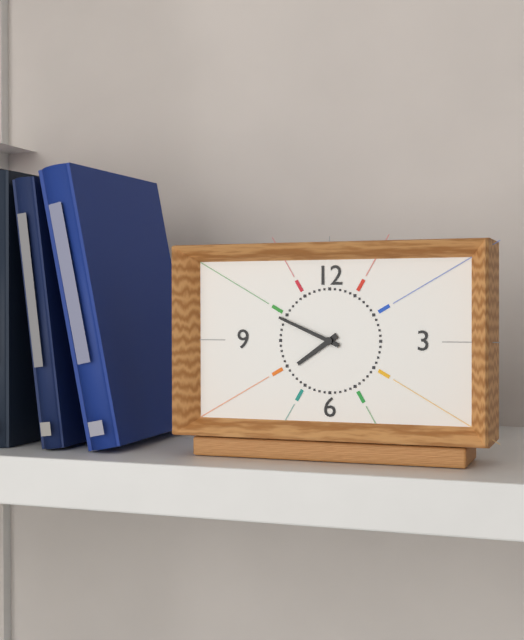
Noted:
**7:49**
